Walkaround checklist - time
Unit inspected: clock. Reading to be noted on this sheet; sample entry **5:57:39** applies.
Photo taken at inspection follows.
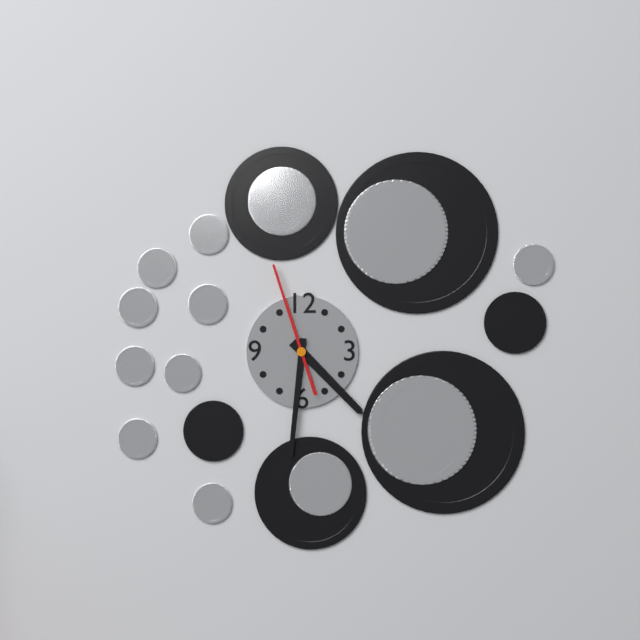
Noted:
**4:31:57**
